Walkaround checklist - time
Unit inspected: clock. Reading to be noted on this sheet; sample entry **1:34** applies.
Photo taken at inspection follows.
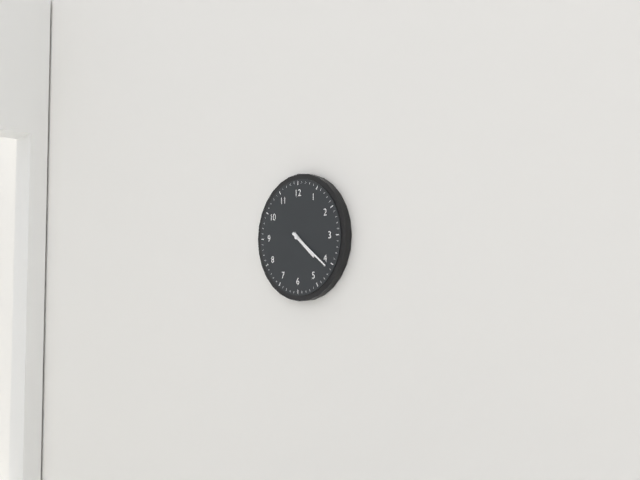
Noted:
**4:21**
